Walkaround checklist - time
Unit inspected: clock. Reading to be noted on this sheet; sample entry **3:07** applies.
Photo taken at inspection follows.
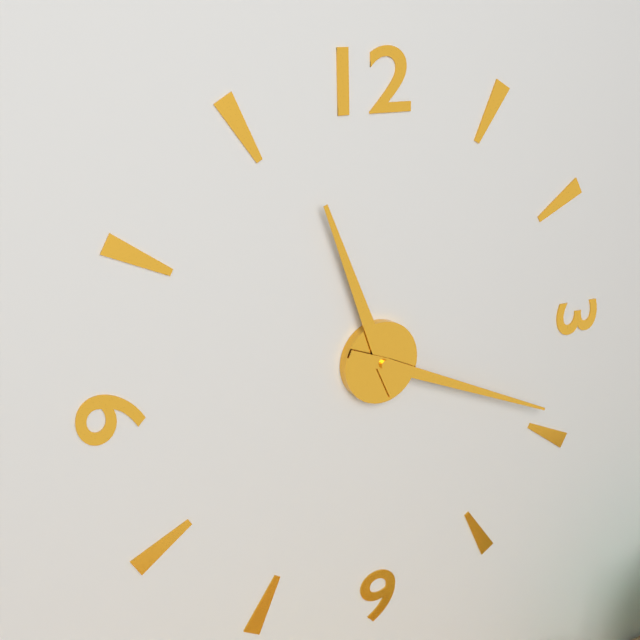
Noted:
**11:19**
